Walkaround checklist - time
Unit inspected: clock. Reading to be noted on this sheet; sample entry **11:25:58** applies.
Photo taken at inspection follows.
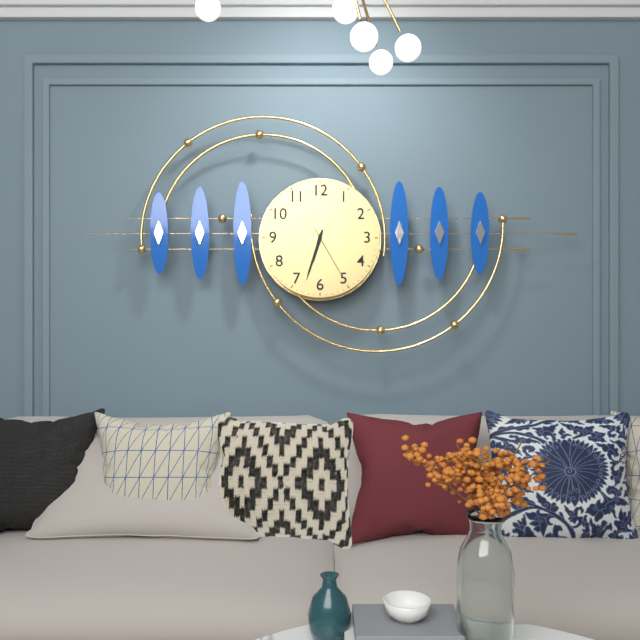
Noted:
**6:33:25**
